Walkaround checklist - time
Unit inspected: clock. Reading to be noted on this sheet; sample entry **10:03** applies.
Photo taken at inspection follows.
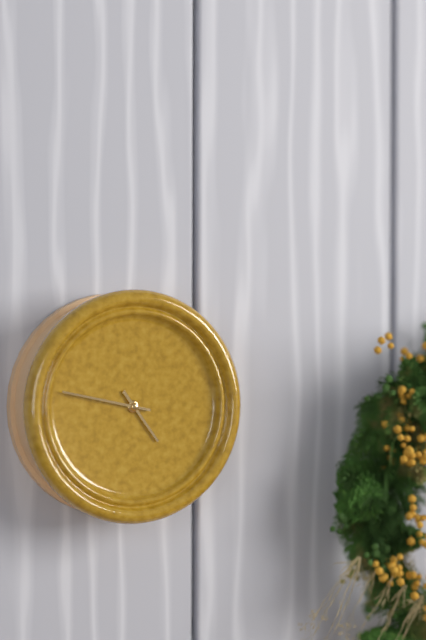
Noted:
**4:47**
